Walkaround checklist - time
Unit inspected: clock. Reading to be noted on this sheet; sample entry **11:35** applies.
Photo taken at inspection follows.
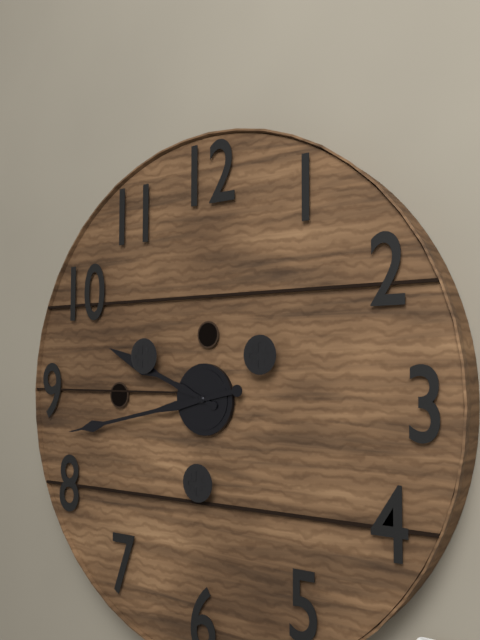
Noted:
**9:43**
